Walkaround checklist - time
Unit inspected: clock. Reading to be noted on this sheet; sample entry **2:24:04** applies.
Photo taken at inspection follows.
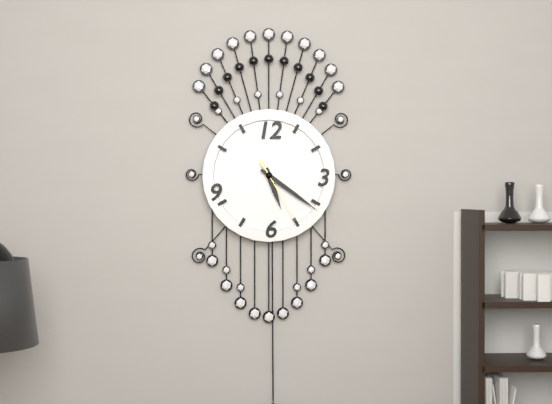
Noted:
**5:21:25**
